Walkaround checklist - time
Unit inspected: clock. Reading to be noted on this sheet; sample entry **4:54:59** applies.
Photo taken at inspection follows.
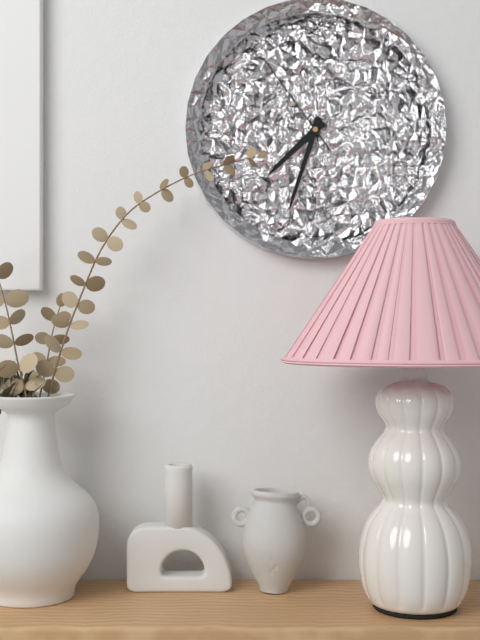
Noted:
**7:33:54**
